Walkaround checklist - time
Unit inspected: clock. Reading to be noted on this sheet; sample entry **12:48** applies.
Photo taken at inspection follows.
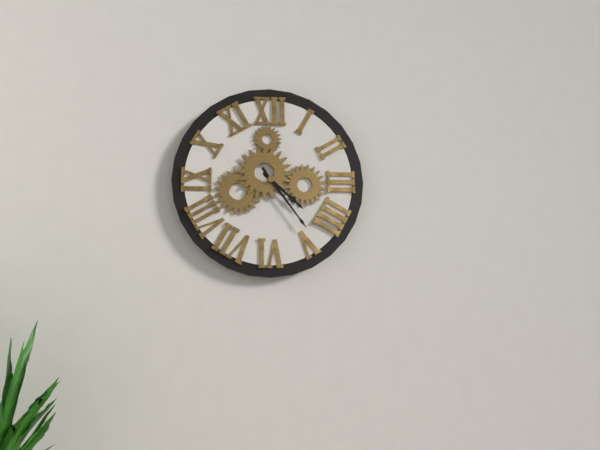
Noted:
**4:24**
